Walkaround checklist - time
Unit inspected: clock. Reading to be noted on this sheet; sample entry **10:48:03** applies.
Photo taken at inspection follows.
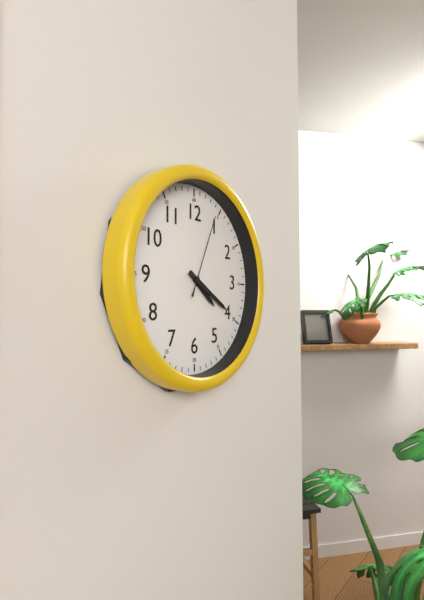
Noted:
**4:20:04**
